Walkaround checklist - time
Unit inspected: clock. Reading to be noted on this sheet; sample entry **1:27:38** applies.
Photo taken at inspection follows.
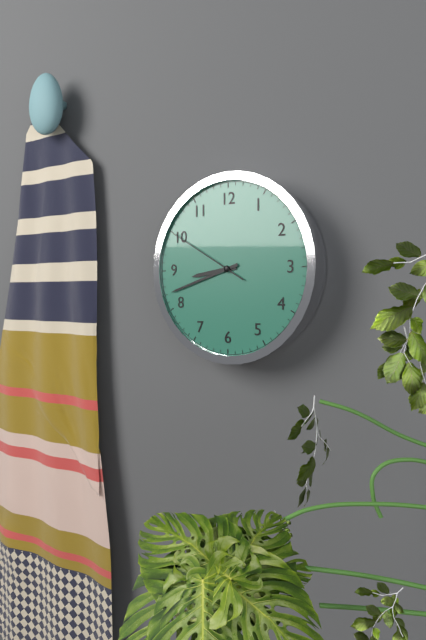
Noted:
**8:42:50**
